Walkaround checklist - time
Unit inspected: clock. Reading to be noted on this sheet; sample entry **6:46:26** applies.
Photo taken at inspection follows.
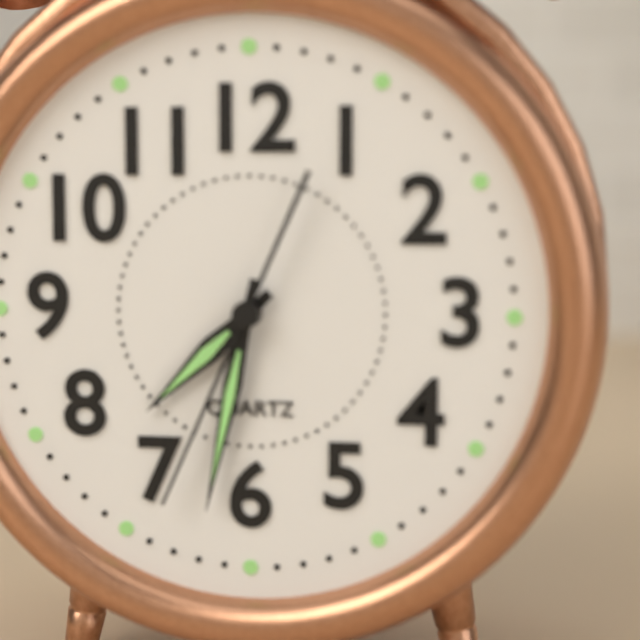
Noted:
**7:32:34**
